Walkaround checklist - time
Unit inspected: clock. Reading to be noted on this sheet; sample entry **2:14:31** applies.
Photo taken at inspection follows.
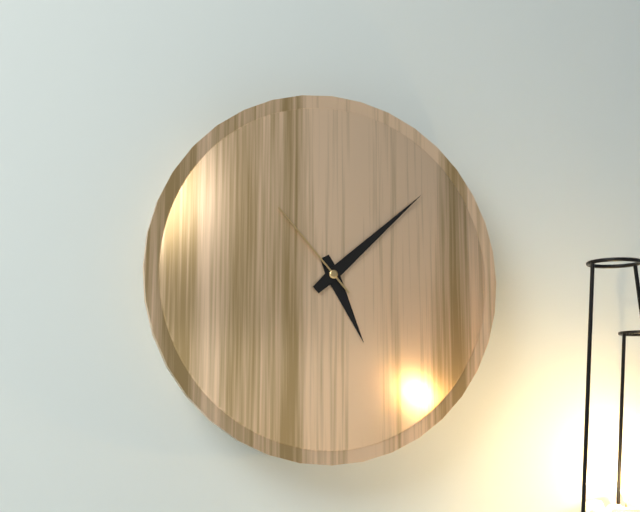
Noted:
**5:08:53**
